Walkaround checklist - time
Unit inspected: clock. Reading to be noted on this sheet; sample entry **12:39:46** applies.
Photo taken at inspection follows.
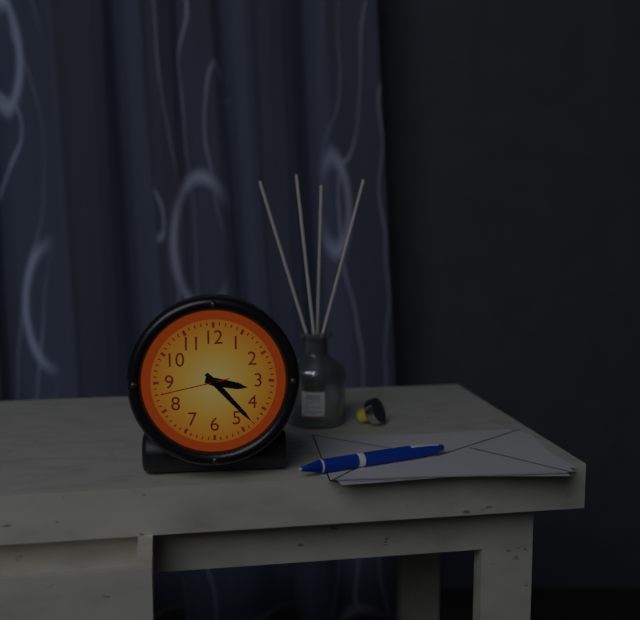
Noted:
**3:23:43**
